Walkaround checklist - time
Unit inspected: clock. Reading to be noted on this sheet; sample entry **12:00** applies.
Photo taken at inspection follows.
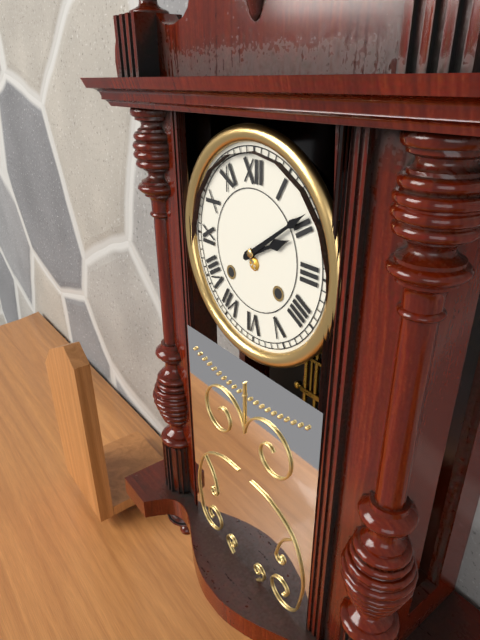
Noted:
**2:09**
